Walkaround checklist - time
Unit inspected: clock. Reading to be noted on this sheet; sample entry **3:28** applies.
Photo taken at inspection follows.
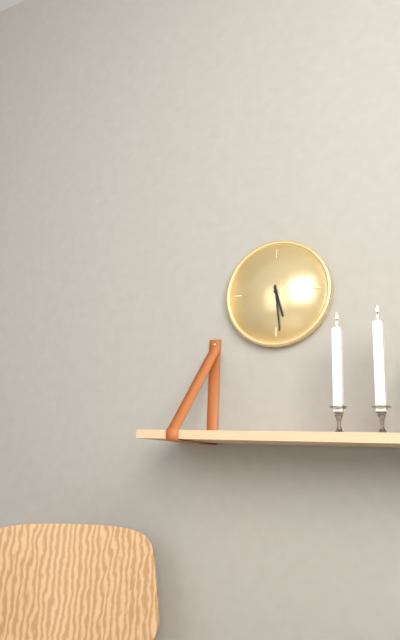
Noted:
**5:29**
